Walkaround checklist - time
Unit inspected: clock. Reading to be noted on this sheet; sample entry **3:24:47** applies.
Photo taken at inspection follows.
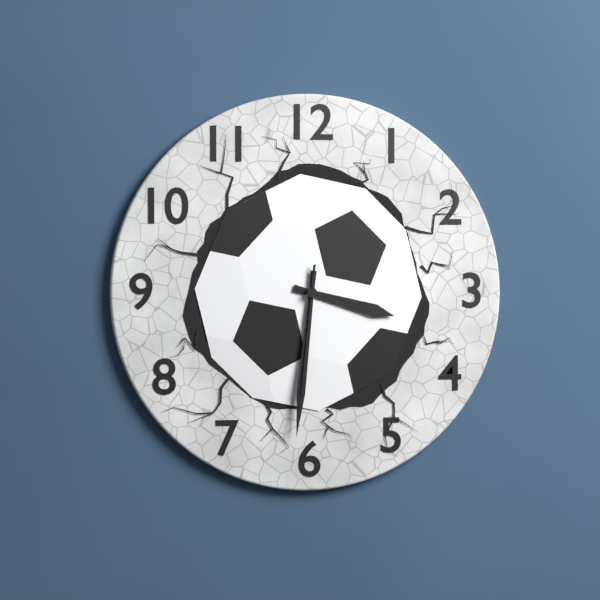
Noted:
**3:31:31**
